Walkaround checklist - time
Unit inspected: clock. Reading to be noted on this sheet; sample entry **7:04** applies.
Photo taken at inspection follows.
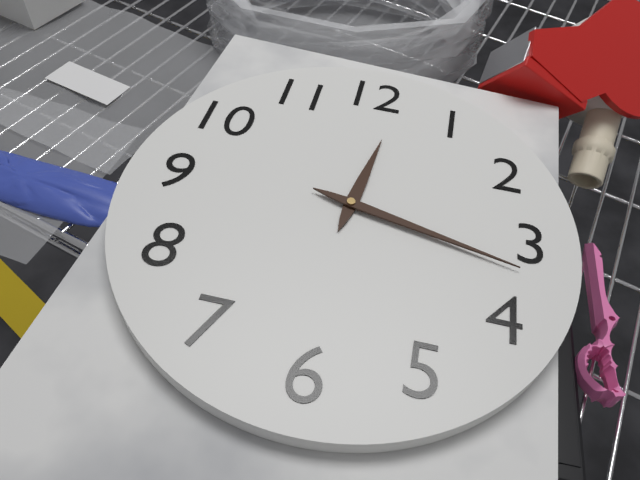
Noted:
**12:17**
